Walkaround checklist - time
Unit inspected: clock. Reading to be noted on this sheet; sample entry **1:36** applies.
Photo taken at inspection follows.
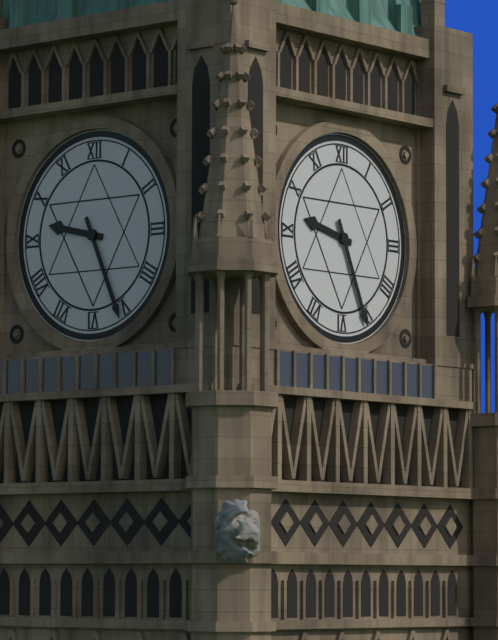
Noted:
**9:26**
